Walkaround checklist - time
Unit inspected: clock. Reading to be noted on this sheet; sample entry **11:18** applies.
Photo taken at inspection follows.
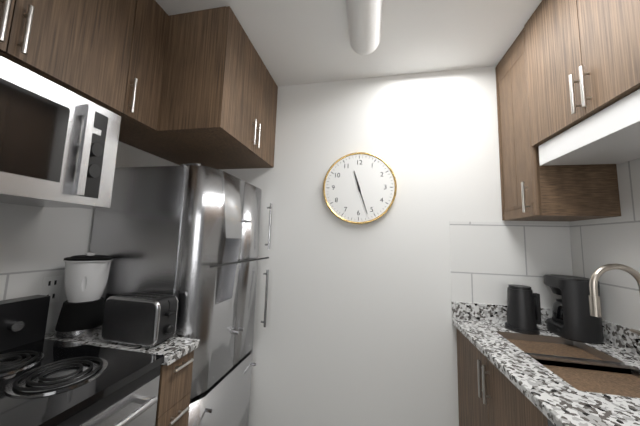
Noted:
**11:27**
